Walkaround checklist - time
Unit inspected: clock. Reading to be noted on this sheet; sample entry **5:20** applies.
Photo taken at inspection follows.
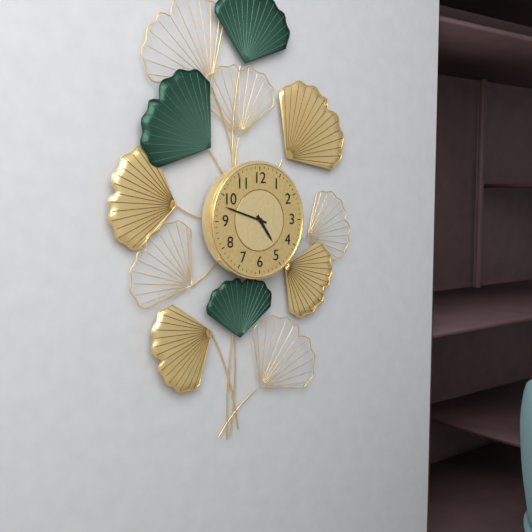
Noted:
**4:48**
